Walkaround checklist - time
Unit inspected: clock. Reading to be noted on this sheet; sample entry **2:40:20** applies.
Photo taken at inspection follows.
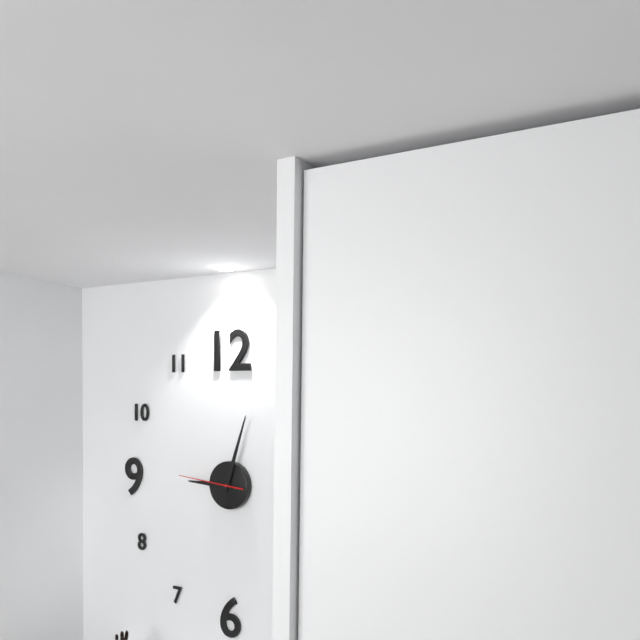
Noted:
**9:03:46**
